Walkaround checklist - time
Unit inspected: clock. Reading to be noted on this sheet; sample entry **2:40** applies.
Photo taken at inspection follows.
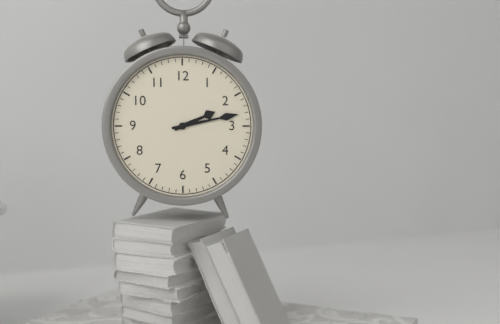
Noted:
**2:13**
